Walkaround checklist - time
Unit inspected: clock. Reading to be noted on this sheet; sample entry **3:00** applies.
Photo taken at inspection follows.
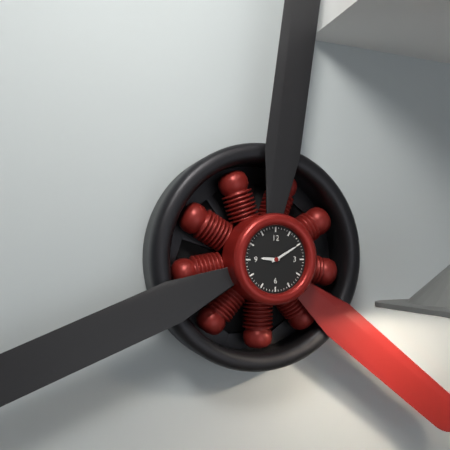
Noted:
**9:10**
